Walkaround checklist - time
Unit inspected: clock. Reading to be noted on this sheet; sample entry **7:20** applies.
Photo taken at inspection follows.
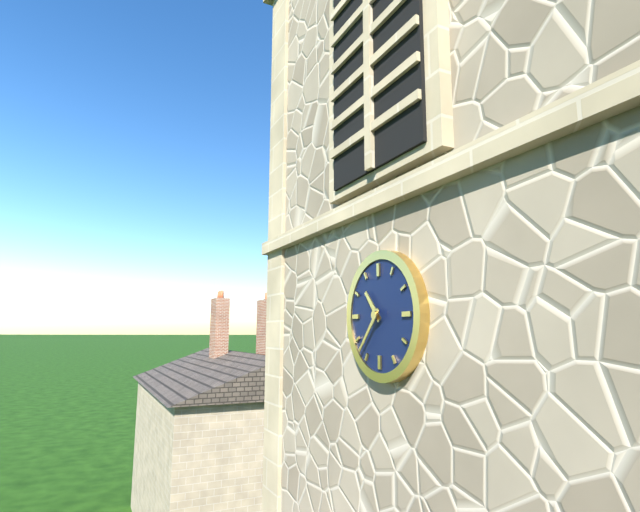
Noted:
**10:37**
